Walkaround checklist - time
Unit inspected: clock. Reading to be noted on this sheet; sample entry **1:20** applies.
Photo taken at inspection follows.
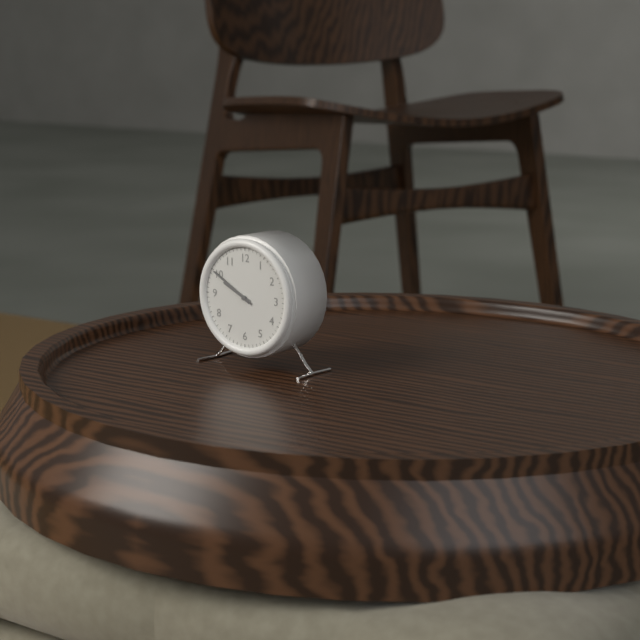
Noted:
**9:50**
